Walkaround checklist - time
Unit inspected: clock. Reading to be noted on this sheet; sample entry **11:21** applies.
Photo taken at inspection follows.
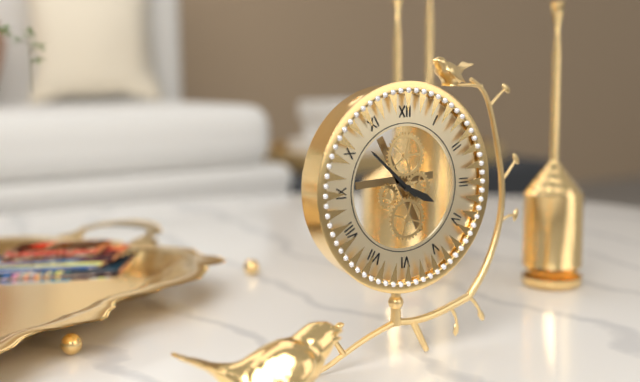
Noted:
**3:52**
